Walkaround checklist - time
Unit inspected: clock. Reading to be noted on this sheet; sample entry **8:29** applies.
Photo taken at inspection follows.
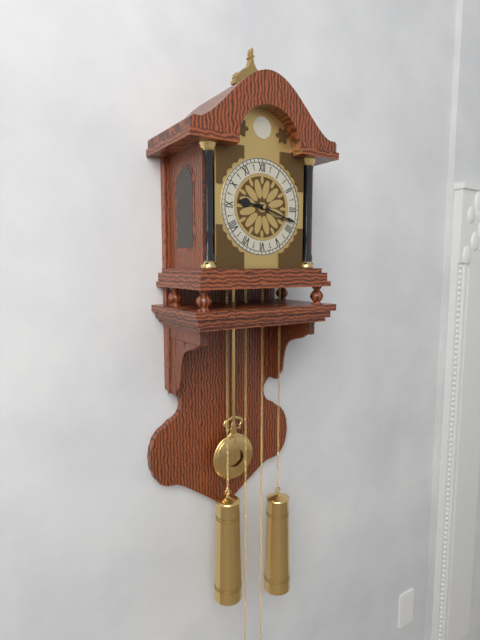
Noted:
**9:18**
